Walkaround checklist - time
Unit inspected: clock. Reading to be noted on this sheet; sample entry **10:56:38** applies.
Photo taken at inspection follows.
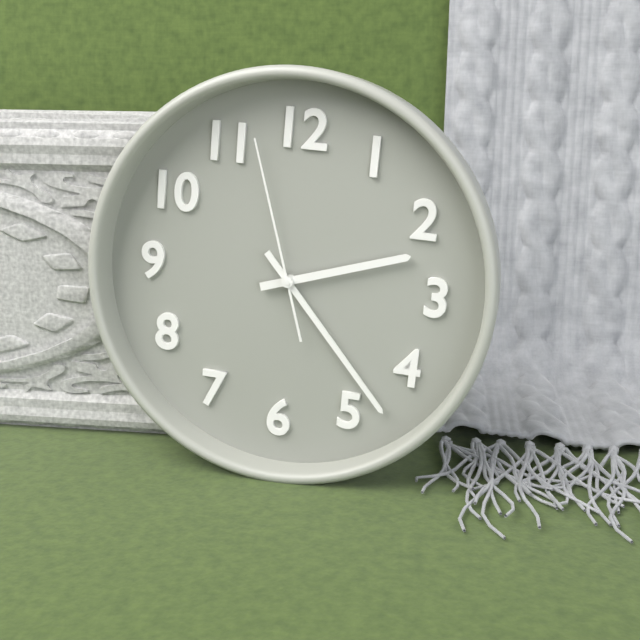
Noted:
**2:23:57**
